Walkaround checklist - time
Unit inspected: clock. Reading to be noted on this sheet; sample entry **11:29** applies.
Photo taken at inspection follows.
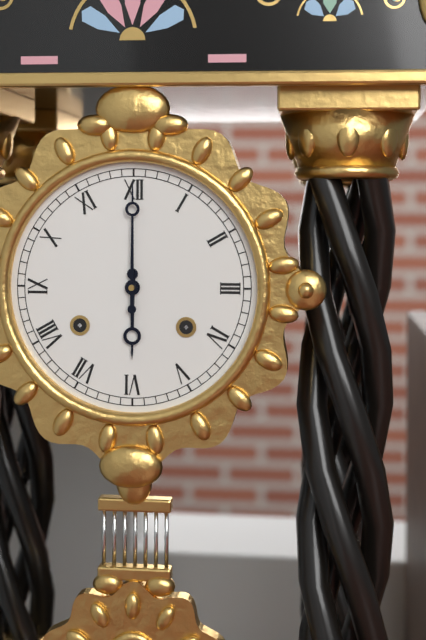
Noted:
**6:00**
